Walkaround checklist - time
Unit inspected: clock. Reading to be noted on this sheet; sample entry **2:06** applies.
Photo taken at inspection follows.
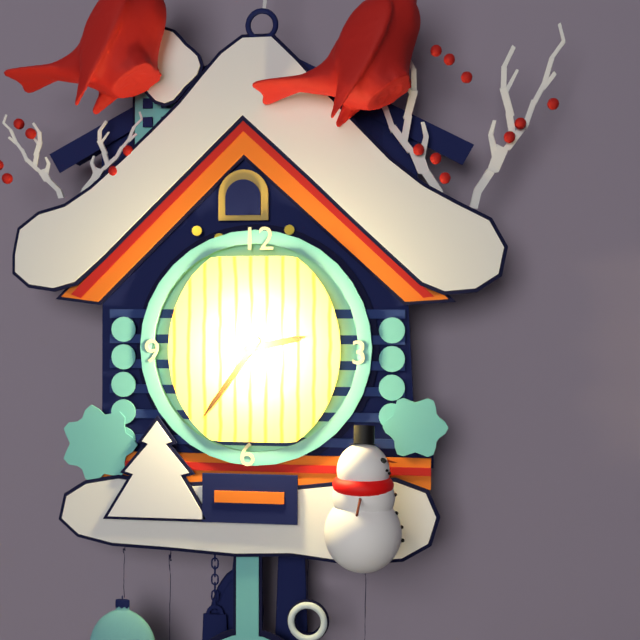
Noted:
**2:36**
